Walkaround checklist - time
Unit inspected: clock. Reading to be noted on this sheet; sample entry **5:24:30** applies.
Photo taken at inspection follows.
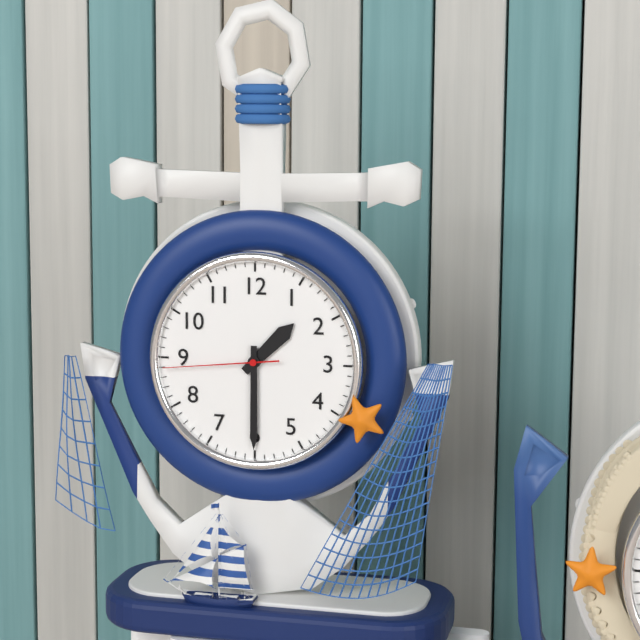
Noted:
**1:30:44**
